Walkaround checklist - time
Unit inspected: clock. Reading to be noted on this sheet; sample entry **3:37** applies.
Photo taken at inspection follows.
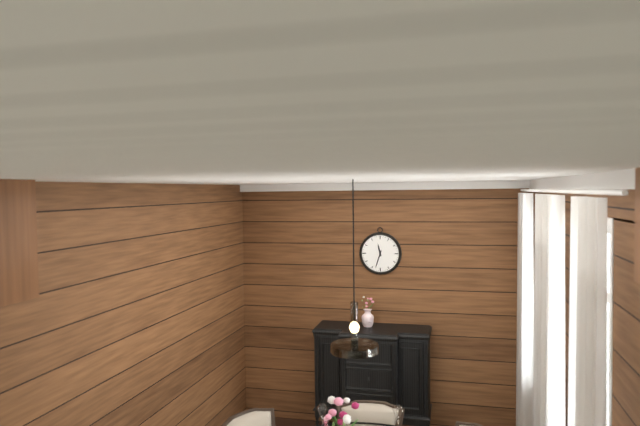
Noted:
**11:33**
